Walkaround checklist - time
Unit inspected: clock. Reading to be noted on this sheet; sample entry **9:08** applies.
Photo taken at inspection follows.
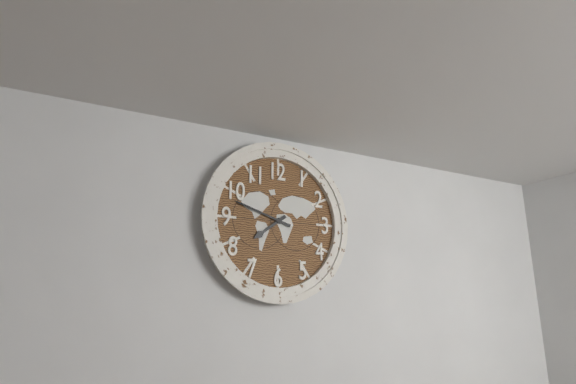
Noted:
**7:48**
